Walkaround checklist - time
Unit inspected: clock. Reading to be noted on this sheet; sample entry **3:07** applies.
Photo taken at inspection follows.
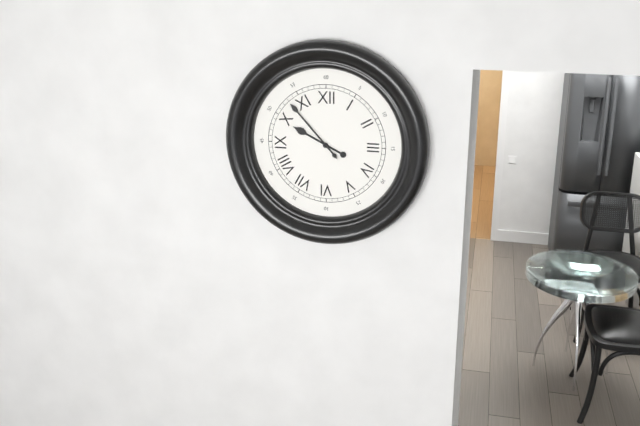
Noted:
**9:53**
